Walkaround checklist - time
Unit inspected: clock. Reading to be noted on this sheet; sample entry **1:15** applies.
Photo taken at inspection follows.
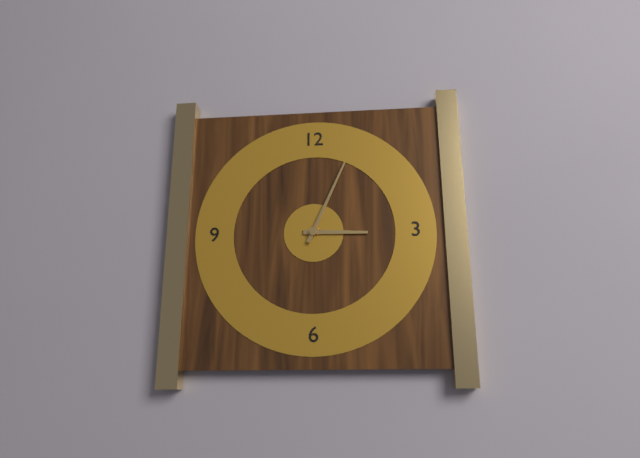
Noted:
**3:04**
